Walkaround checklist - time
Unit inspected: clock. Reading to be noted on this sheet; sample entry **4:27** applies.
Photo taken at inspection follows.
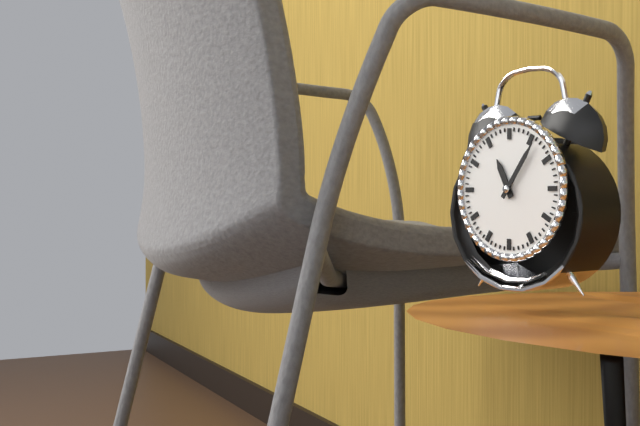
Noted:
**11:06**
